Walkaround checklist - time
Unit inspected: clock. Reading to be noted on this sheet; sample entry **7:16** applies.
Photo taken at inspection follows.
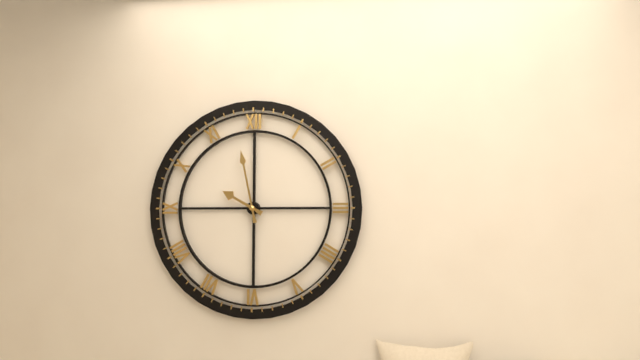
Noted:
**9:58**
